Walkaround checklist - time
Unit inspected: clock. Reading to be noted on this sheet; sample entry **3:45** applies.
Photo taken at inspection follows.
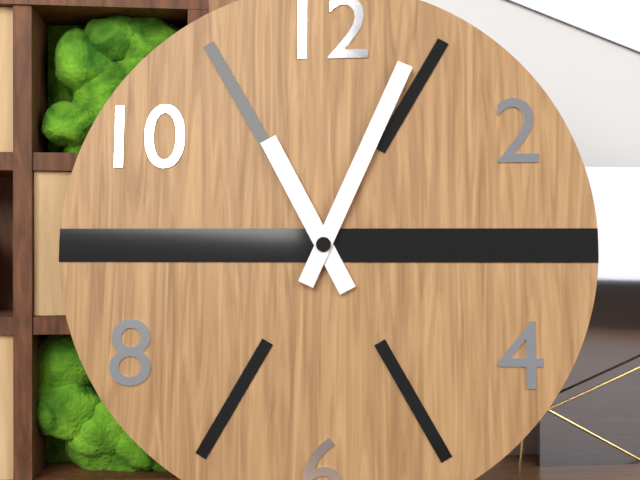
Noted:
**11:04**
